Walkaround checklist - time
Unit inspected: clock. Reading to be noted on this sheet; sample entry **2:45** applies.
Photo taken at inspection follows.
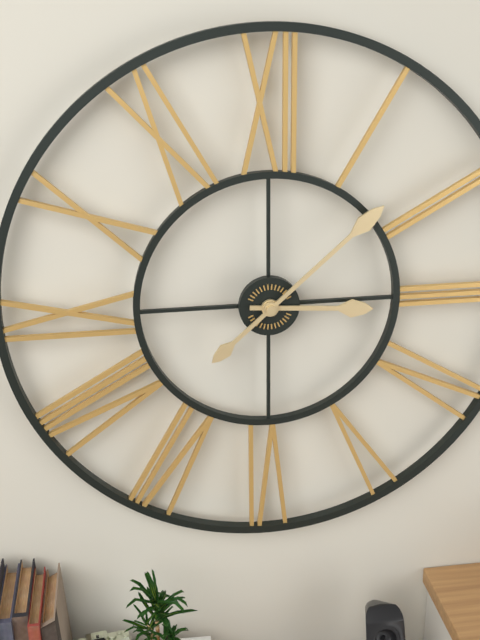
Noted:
**3:08**
